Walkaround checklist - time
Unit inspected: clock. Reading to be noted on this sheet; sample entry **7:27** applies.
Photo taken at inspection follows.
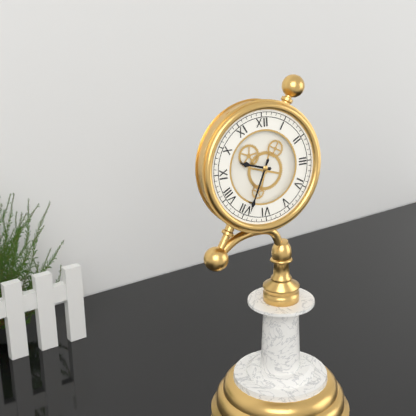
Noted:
**9:34**
